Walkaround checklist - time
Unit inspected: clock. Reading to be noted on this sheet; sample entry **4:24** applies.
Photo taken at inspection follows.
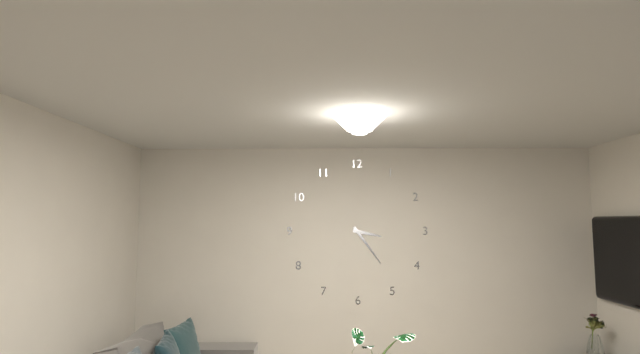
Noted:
**3:24**
